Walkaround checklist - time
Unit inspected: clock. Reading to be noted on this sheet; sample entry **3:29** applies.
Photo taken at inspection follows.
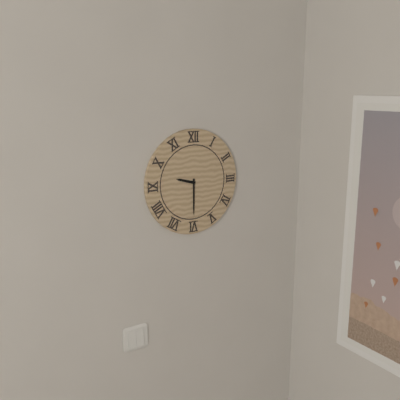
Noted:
**9:30**
